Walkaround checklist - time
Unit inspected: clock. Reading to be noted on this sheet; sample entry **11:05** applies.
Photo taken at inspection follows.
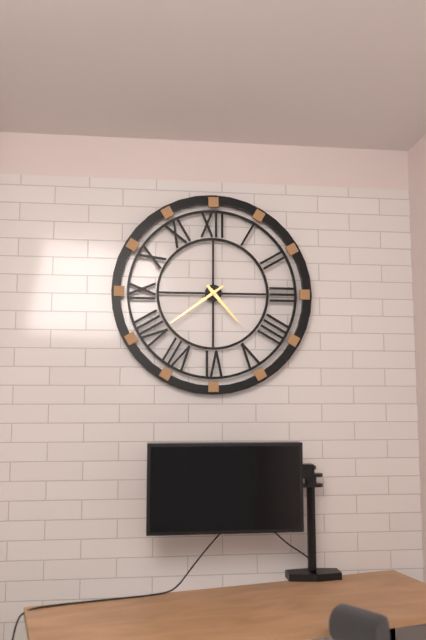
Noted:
**4:39**
